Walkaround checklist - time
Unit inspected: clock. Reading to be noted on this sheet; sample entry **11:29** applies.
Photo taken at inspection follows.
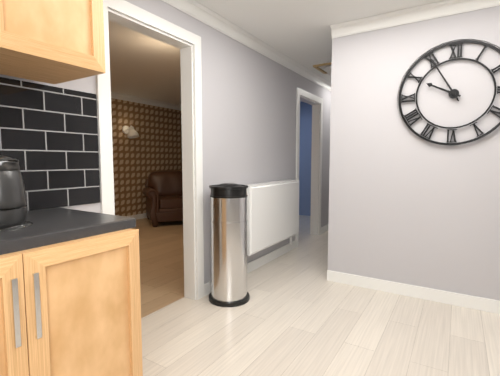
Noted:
**9:55**
